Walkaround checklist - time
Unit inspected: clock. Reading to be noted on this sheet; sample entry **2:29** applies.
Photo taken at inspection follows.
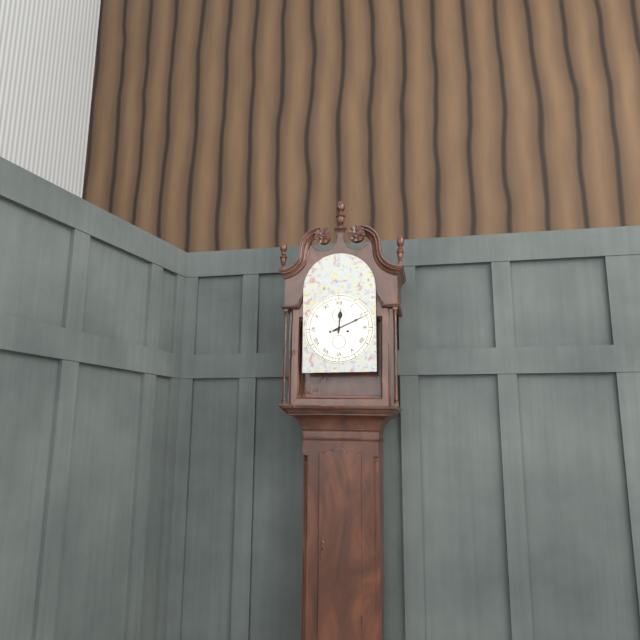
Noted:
**12:11**
